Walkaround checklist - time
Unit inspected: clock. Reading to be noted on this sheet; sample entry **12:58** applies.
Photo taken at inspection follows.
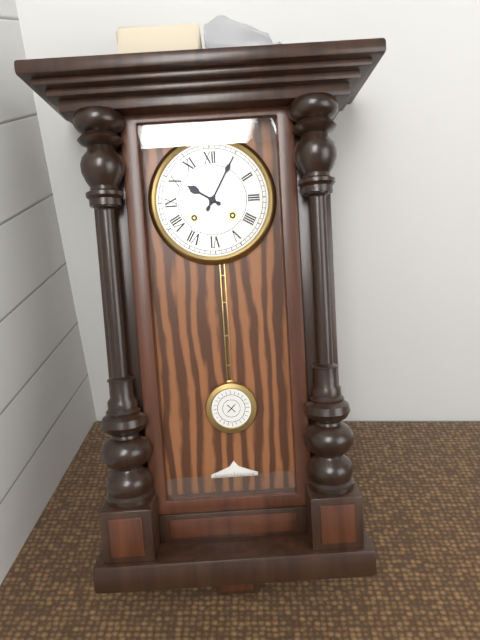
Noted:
**10:05**
